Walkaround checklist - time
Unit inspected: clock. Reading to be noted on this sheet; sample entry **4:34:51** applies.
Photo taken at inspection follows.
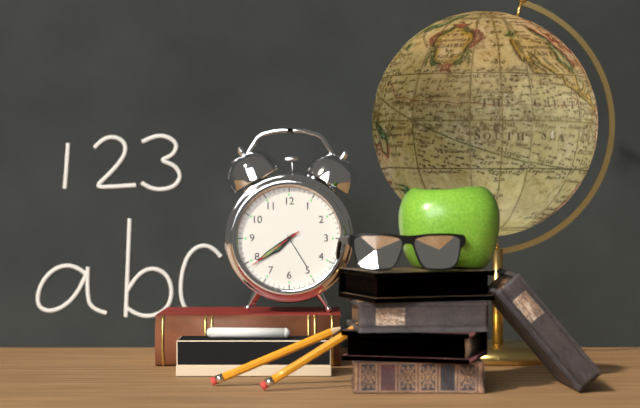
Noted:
**7:39:39**
